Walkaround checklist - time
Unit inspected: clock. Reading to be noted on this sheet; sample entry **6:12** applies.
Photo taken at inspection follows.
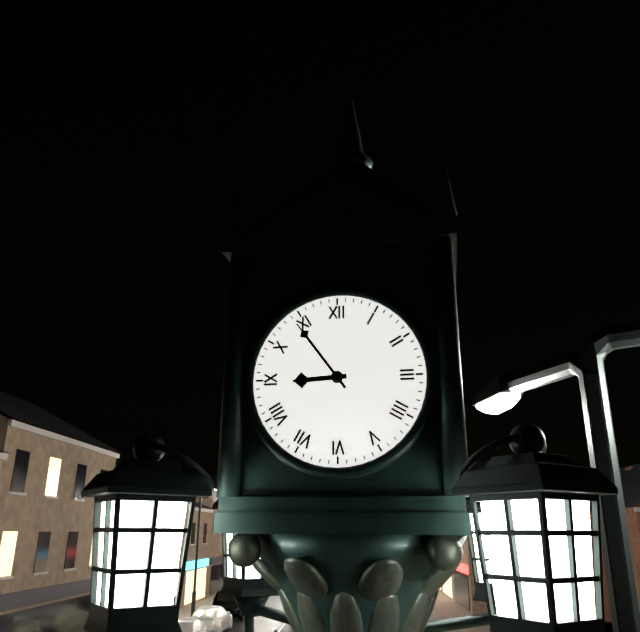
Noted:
**8:54**
